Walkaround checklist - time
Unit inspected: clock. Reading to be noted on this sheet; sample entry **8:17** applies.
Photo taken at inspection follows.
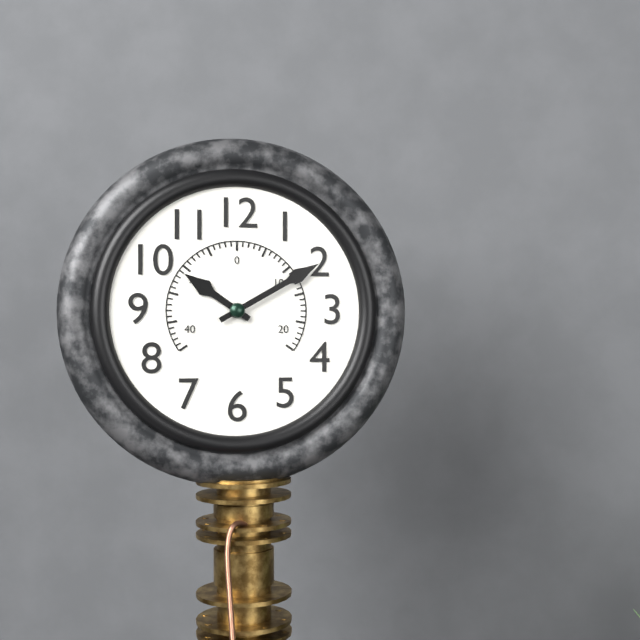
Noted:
**10:10**
